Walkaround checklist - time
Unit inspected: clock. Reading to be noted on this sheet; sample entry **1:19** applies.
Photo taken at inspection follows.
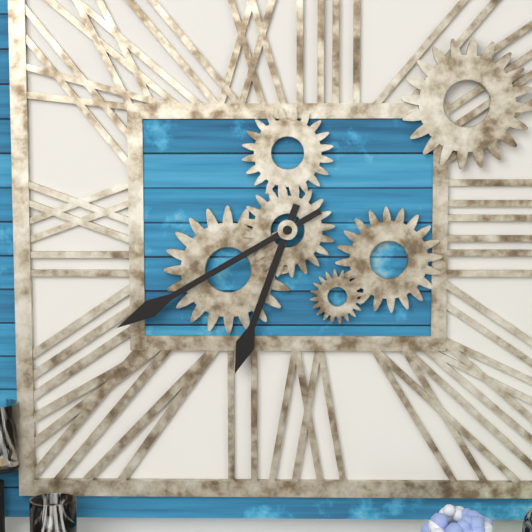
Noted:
**6:40**
